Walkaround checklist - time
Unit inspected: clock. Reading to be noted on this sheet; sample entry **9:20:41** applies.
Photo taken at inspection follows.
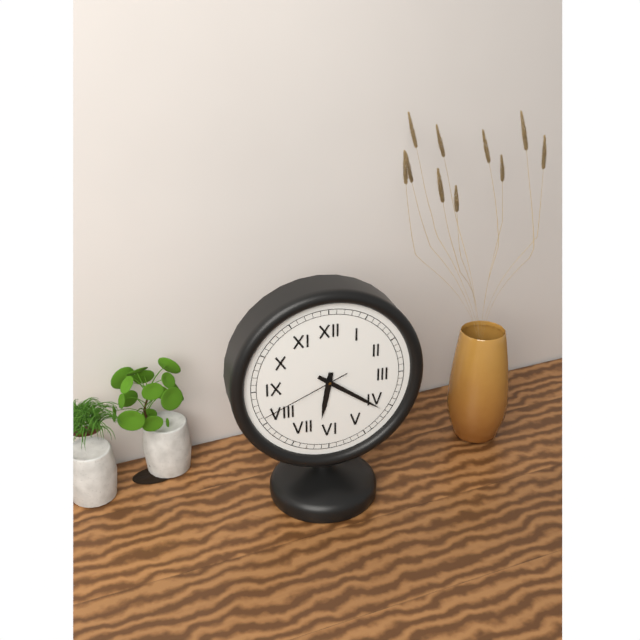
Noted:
**6:21:41**
